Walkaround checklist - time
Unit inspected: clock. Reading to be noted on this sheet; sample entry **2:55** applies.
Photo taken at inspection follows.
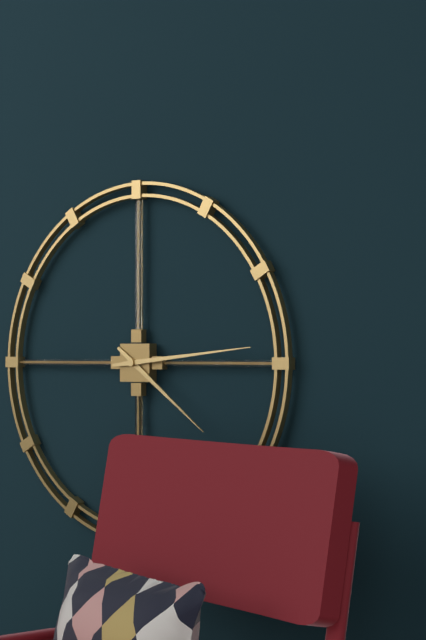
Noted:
**4:14**
